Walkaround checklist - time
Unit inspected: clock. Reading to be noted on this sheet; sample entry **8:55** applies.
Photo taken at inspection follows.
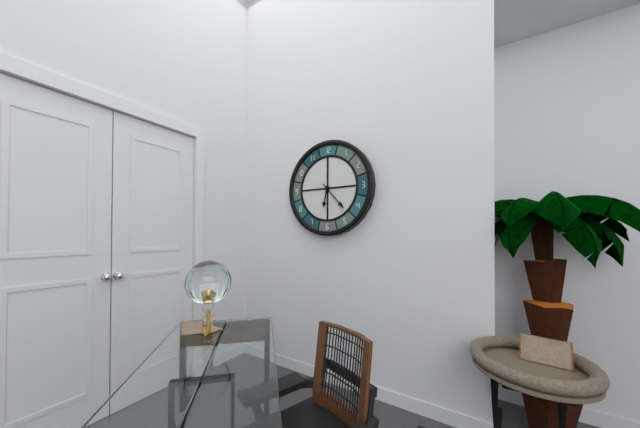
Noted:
**6:23**
